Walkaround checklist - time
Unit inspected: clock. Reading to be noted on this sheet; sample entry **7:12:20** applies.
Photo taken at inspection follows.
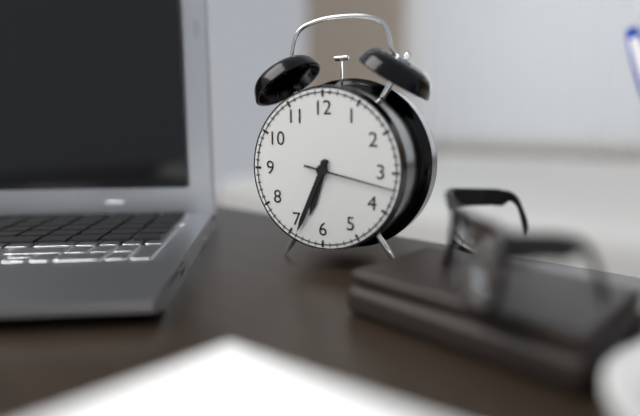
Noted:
**6:34:17**
